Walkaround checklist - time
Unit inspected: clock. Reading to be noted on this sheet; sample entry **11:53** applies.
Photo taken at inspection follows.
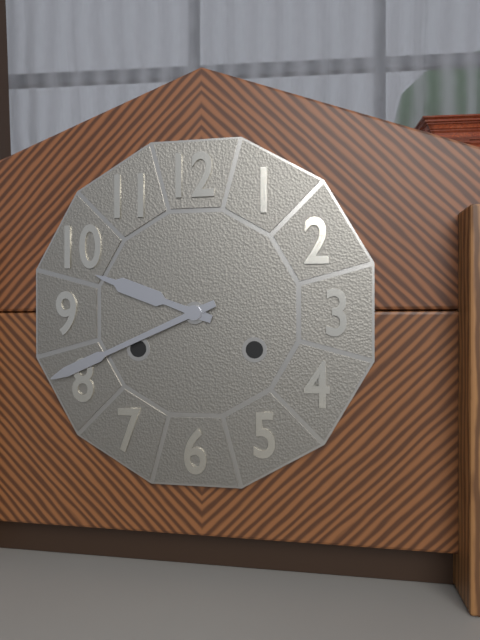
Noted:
**9:41**
